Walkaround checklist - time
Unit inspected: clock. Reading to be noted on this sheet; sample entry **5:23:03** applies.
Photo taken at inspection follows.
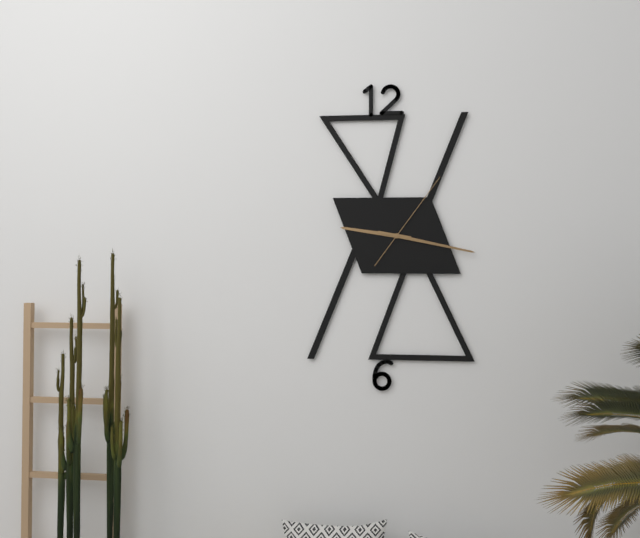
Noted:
**9:17:06**
